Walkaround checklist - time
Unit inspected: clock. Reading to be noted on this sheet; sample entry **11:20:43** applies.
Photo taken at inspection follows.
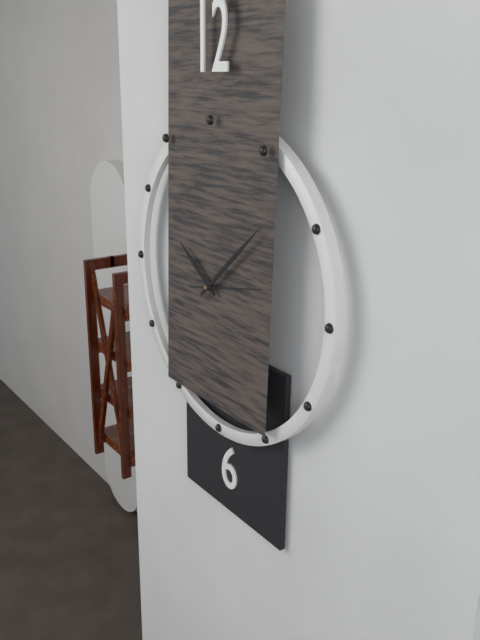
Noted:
**10:08:13**
